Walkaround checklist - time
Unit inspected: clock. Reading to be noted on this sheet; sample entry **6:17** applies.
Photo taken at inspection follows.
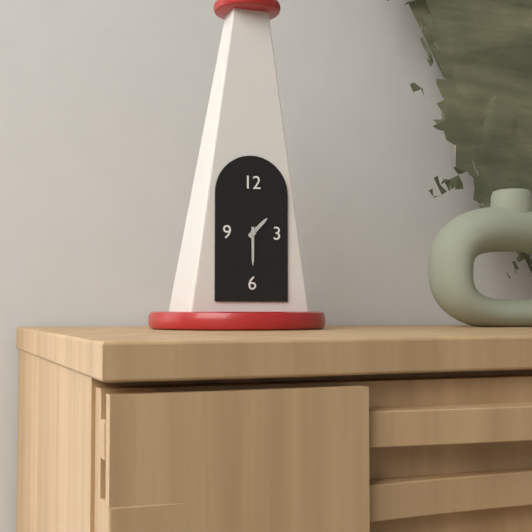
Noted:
**1:30**
